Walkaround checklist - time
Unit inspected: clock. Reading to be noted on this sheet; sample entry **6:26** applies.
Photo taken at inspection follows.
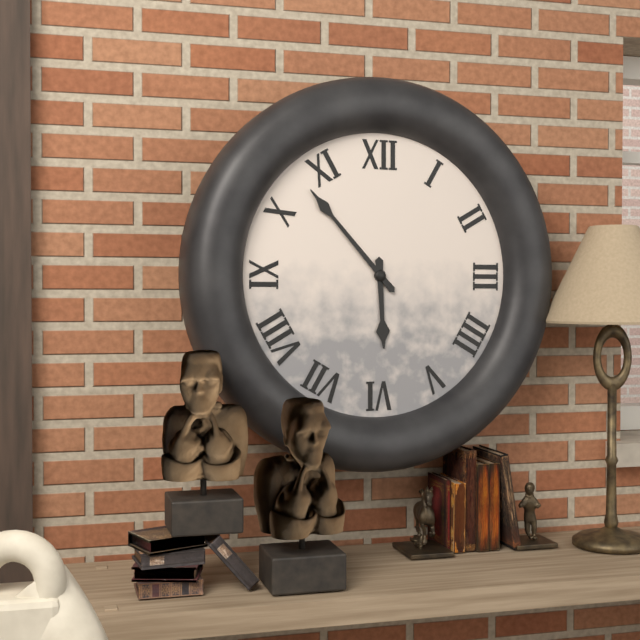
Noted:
**5:53**
